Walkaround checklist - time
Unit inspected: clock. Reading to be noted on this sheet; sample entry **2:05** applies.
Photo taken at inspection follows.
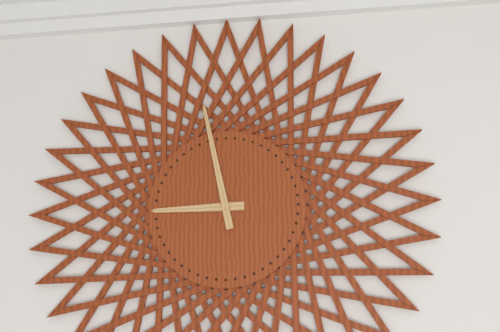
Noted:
**8:58**
